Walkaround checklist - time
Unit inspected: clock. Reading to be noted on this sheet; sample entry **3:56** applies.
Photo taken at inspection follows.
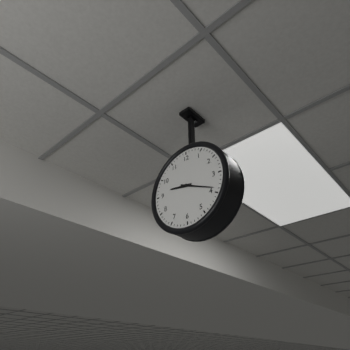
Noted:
**9:19**
